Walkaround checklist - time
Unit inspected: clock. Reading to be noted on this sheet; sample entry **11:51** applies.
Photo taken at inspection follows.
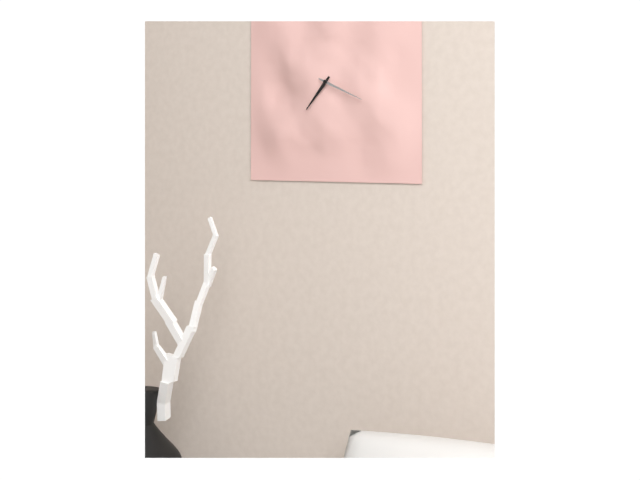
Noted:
**7:19**
